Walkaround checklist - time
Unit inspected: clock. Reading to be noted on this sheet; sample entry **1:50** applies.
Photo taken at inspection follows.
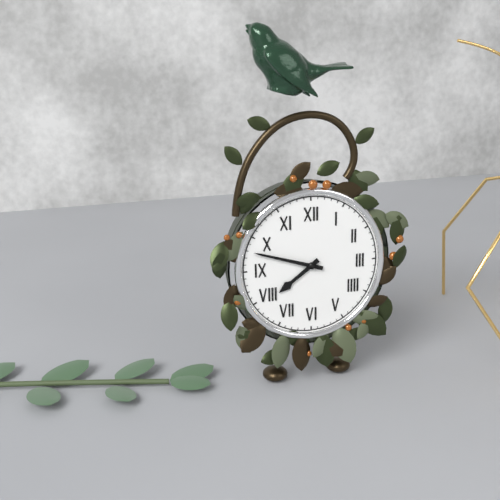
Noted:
**7:48**
